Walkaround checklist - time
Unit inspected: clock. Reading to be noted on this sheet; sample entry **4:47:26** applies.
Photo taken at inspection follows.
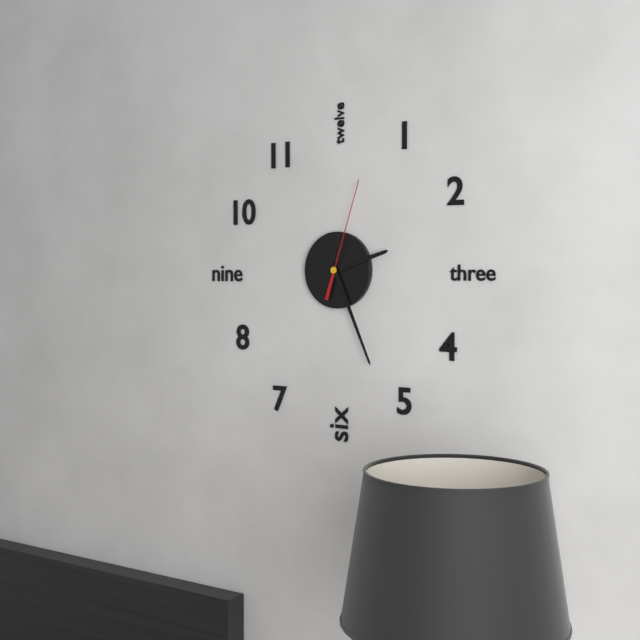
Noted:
**2:26:03**
